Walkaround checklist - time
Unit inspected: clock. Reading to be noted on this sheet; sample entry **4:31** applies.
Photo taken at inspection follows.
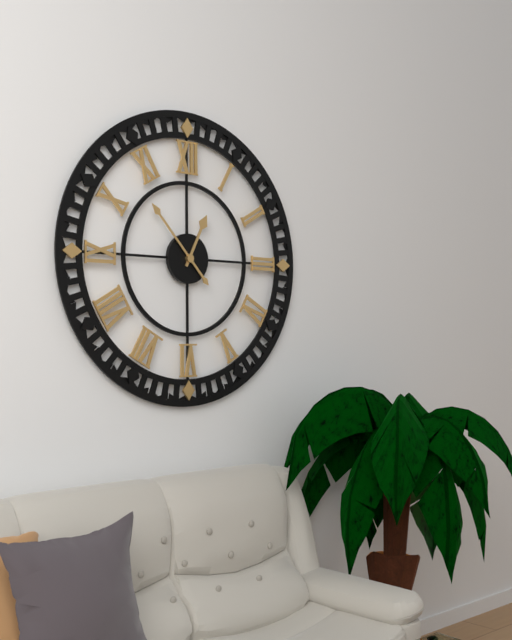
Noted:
**12:53**
